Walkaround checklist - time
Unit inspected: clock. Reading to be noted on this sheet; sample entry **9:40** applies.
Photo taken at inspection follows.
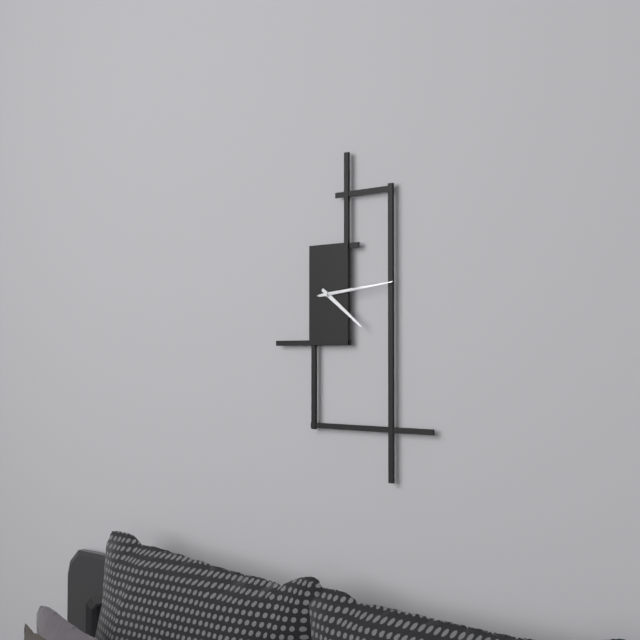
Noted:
**4:14**
